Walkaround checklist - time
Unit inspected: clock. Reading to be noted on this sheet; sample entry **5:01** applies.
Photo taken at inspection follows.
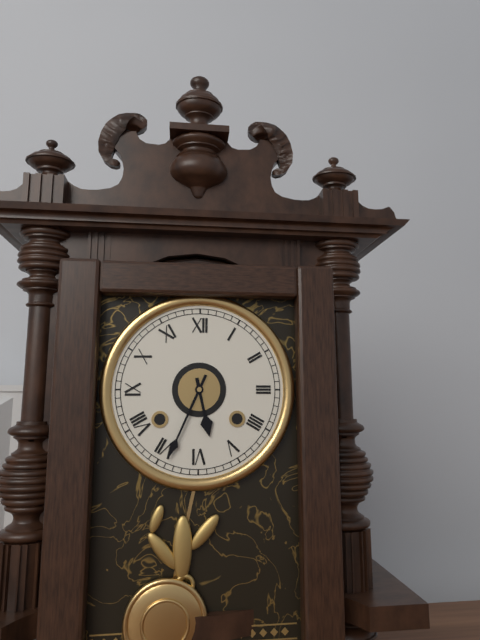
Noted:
**5:34**
